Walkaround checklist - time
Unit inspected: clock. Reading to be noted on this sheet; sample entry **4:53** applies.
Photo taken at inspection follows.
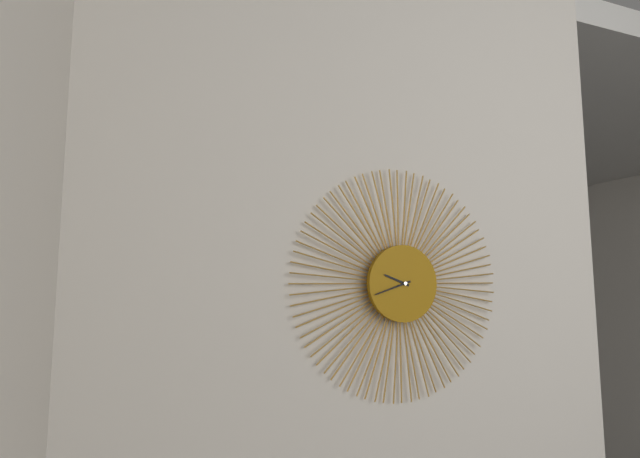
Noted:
**9:42**
